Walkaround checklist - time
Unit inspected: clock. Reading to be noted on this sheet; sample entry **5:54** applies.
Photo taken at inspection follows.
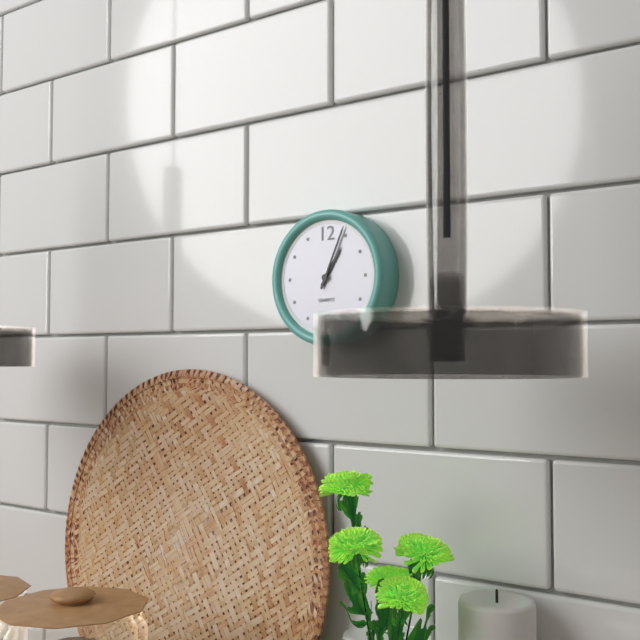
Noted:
**1:04**
